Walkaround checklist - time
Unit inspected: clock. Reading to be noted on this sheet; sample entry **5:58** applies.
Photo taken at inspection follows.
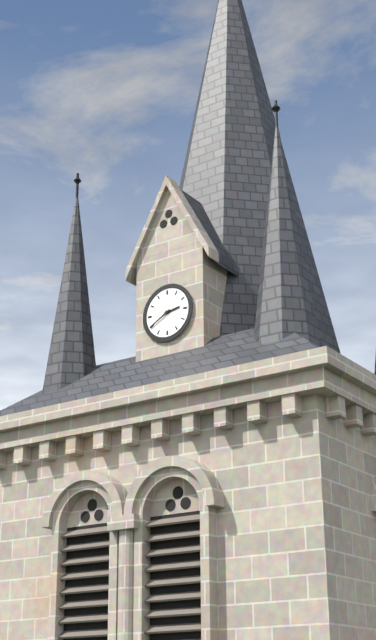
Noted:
**2:40**
